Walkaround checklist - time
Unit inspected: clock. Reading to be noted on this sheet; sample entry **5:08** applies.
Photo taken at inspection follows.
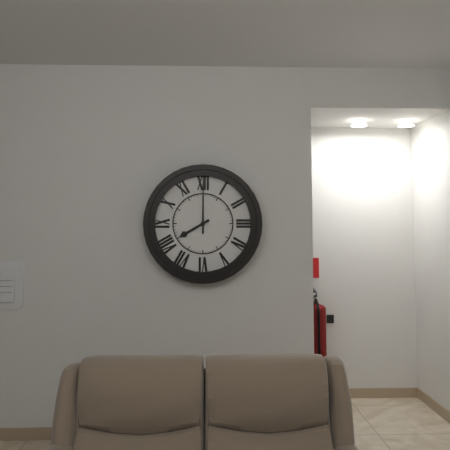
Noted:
**8:00**
